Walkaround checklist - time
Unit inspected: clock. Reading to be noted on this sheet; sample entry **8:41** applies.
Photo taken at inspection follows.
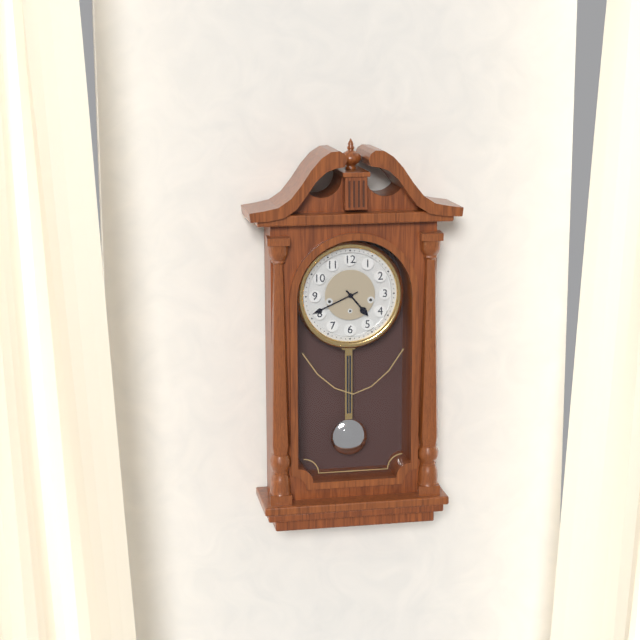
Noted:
**4:41**
